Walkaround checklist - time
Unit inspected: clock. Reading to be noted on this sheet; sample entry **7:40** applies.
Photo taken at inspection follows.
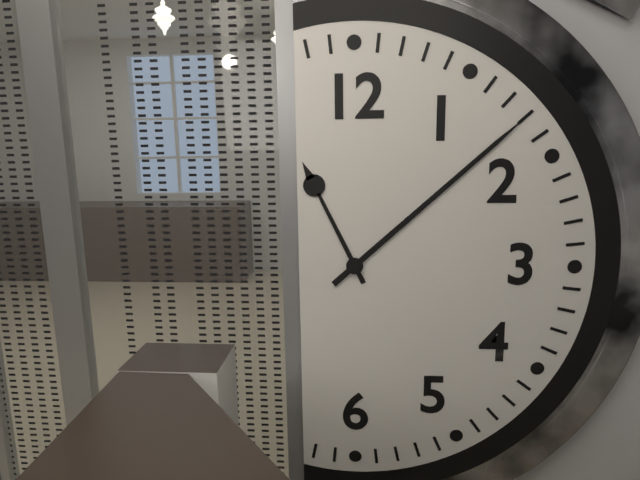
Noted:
**11:08**
